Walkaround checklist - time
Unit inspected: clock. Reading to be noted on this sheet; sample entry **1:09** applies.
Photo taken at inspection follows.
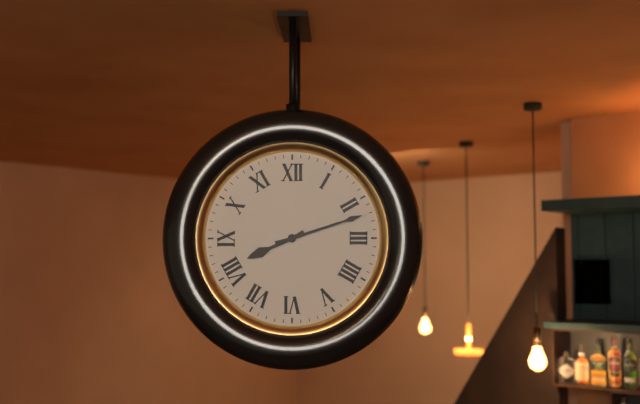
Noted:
**8:12**
